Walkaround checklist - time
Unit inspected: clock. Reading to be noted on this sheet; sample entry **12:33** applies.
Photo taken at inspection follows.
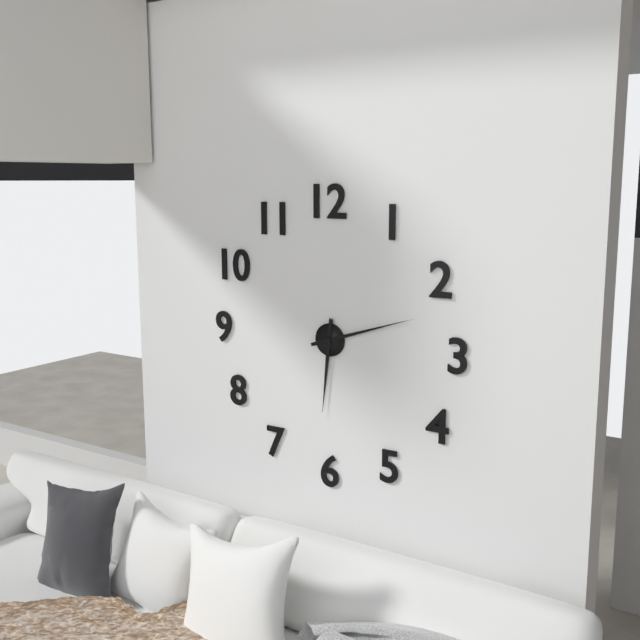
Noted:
**6:12**
